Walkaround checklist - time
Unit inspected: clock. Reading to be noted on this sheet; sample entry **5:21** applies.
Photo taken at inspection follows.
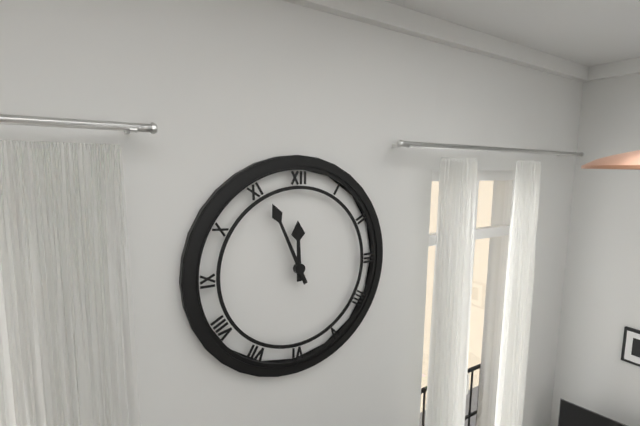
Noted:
**11:56**
